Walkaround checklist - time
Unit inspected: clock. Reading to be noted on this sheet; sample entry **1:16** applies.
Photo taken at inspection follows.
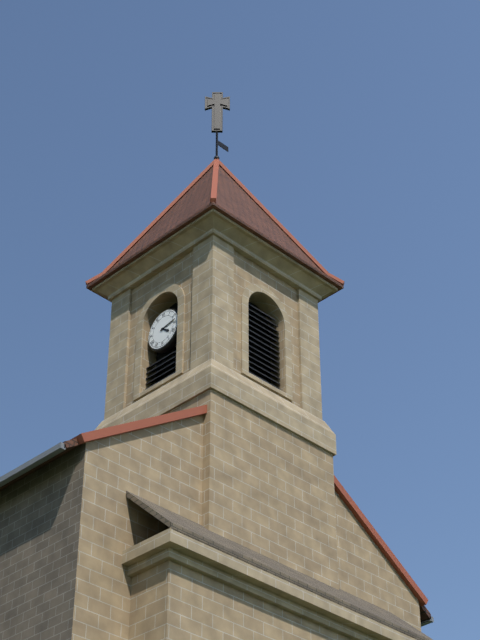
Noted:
**4:13**
